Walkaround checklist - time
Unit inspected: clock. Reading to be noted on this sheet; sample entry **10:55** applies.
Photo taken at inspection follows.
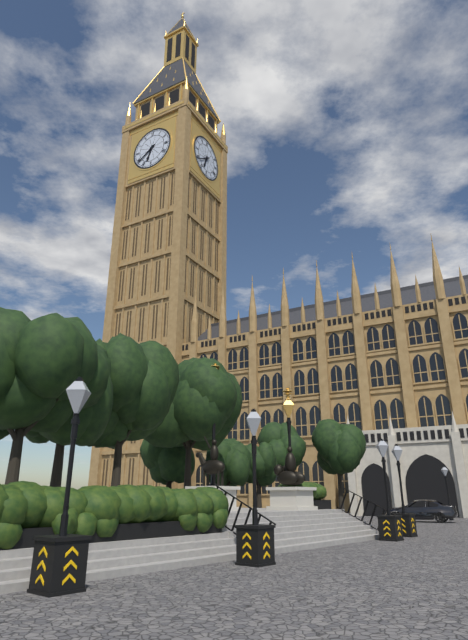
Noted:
**6:39**
